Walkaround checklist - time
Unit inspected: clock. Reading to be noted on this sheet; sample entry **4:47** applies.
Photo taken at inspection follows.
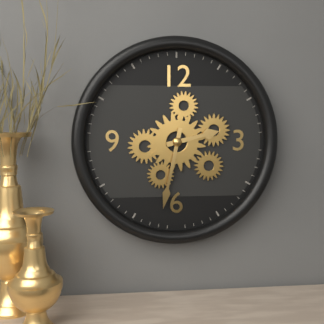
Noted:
**2:32**
